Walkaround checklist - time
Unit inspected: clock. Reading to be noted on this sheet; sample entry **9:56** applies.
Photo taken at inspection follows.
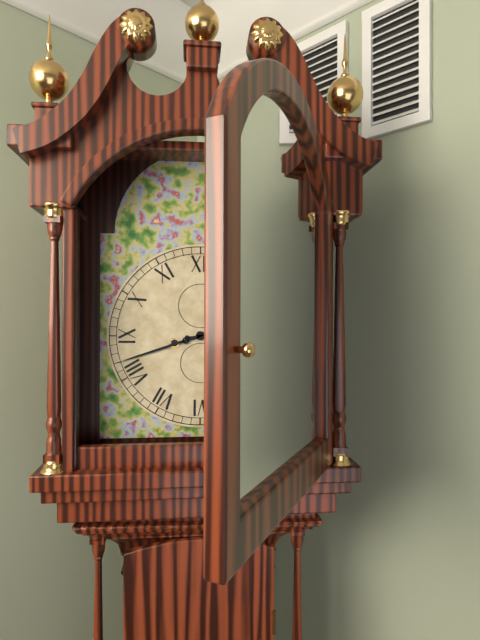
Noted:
**2:42**
